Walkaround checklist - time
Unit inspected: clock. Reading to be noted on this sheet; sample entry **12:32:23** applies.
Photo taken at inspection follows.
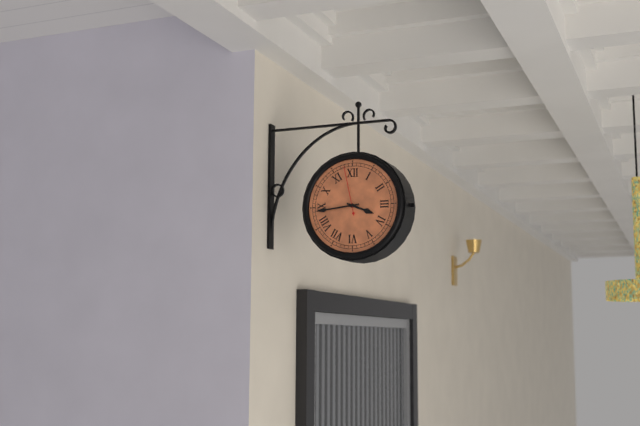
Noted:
**3:44:58**
